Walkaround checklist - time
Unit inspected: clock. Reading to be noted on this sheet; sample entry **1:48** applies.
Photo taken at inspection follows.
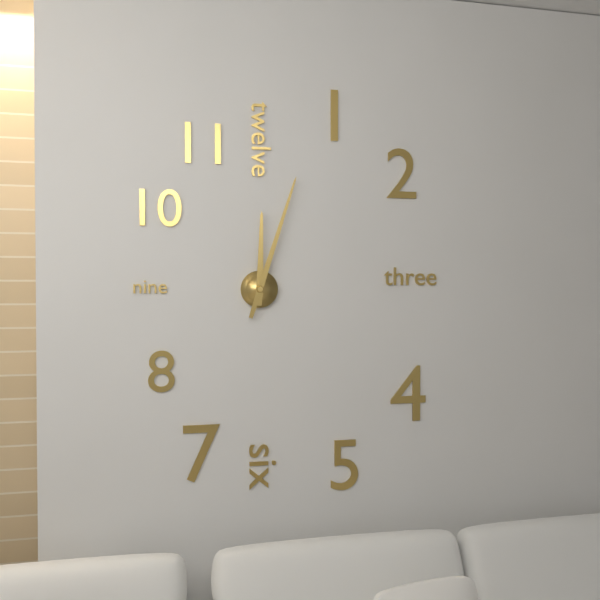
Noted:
**12:03**
